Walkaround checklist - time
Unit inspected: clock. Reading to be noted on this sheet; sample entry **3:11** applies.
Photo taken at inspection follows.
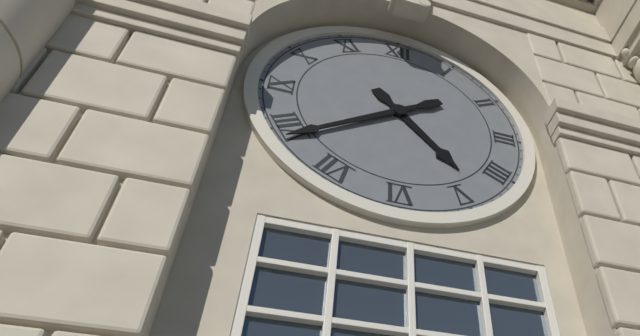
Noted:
**4:39**
